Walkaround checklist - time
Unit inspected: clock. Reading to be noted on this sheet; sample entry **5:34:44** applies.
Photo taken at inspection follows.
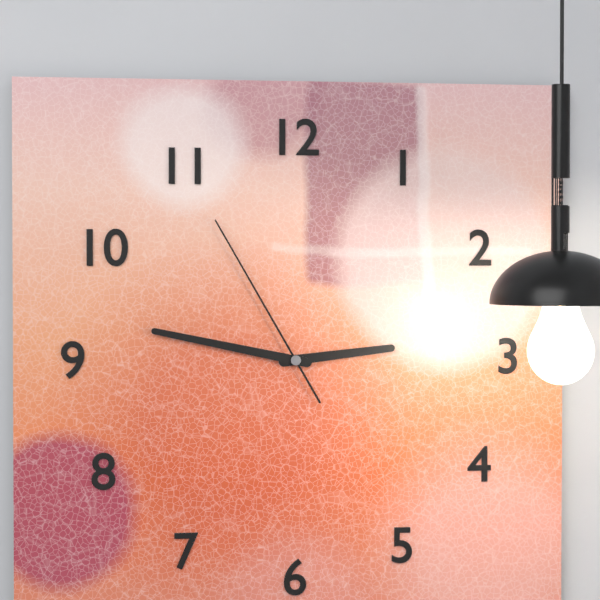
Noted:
**2:47:55**
